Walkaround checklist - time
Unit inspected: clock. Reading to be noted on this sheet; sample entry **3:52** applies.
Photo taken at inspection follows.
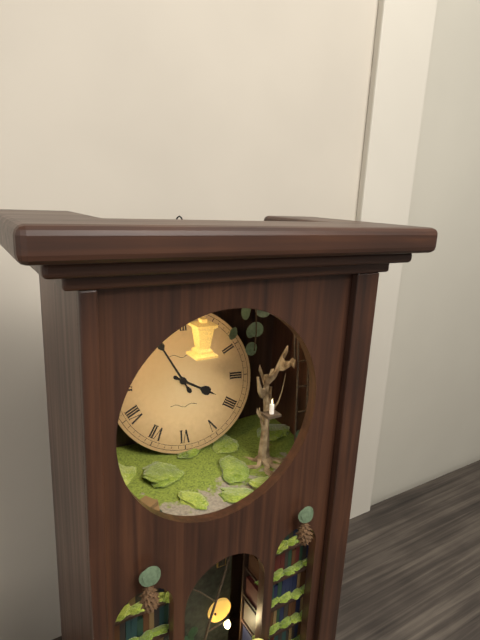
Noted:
**3:55**
